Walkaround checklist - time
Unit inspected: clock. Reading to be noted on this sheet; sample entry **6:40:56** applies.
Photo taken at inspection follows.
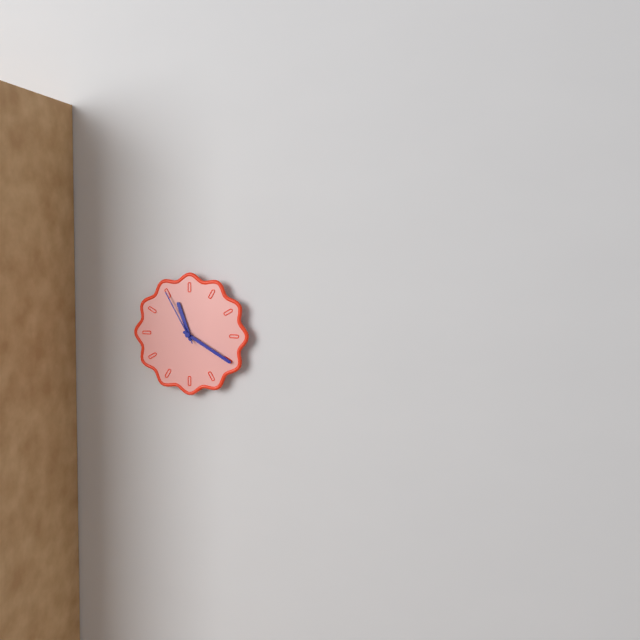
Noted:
**11:20:55**
